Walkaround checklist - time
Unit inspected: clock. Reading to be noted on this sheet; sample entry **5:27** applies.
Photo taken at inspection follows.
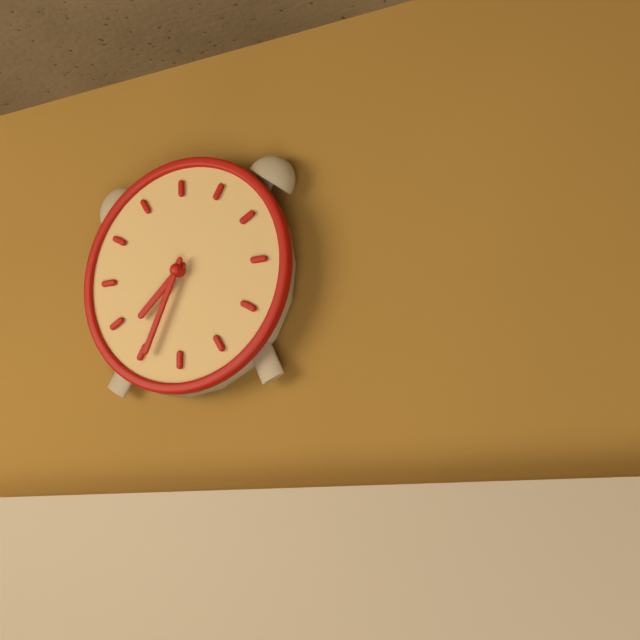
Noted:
**7:34**
